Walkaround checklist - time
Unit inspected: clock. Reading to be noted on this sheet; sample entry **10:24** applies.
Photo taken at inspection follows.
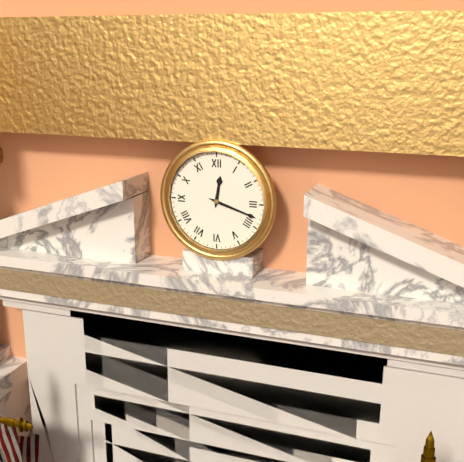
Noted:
**12:18**
